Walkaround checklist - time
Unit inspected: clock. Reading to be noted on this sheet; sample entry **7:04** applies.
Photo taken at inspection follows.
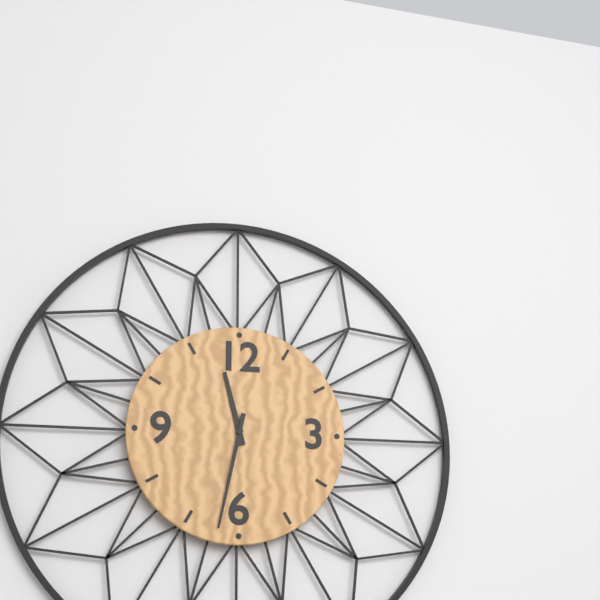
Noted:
**11:32**
